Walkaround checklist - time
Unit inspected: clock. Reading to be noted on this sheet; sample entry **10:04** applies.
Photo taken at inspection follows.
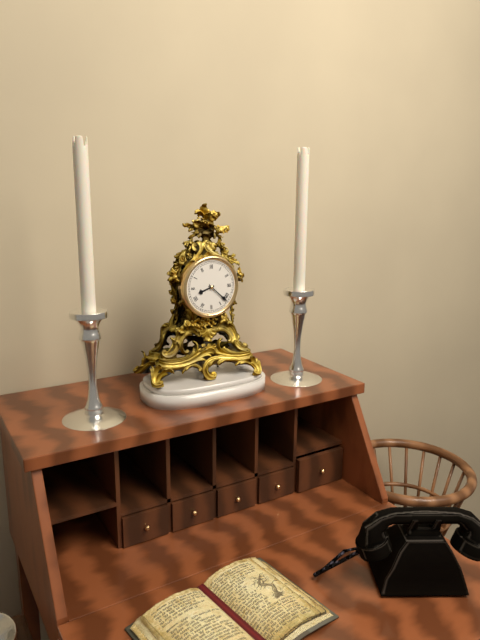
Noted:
**8:22**
